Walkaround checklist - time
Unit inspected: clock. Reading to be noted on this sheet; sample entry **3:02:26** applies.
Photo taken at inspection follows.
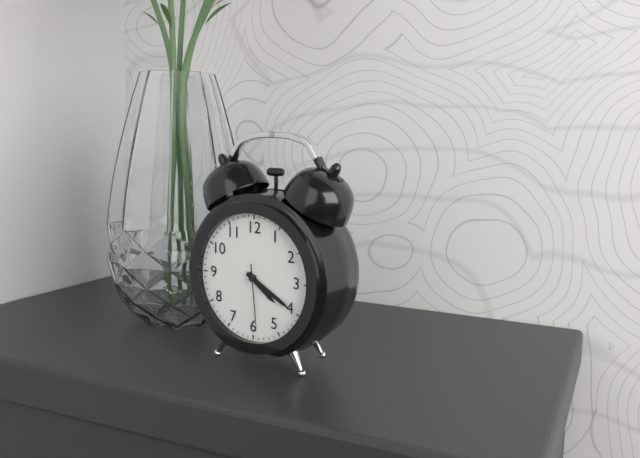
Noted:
**4:20:29**
